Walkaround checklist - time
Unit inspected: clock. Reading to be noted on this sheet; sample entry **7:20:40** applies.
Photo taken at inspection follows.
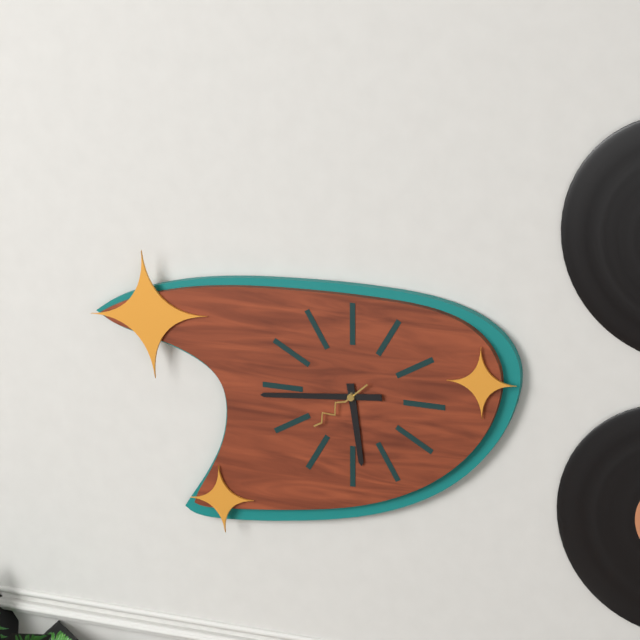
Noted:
**5:44:38**
